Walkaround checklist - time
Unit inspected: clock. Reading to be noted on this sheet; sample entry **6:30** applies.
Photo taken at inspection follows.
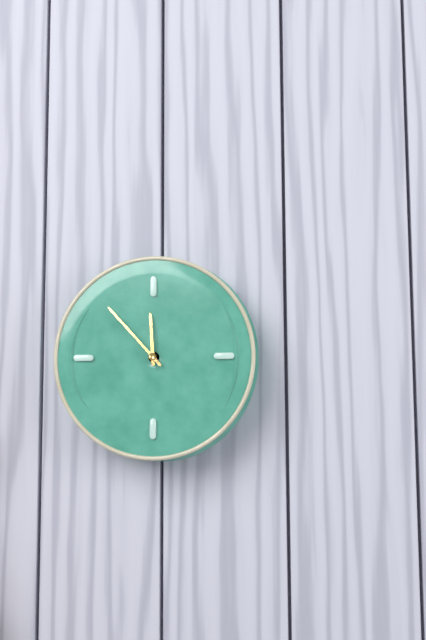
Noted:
**11:53**
